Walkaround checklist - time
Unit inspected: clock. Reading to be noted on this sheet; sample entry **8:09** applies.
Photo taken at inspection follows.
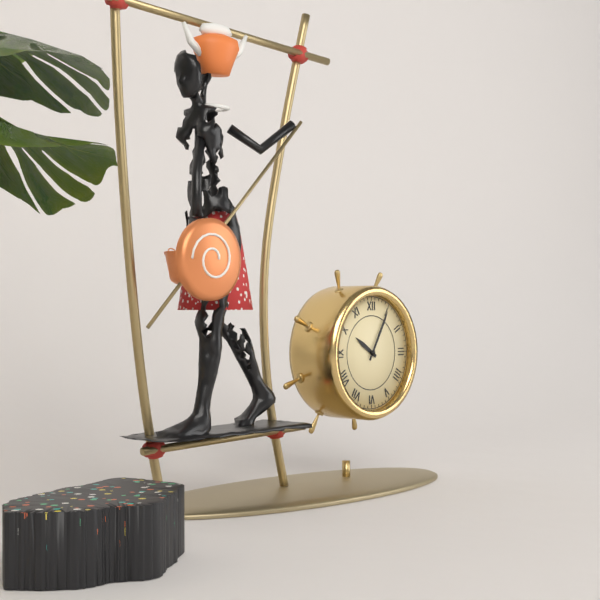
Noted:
**10:05**
